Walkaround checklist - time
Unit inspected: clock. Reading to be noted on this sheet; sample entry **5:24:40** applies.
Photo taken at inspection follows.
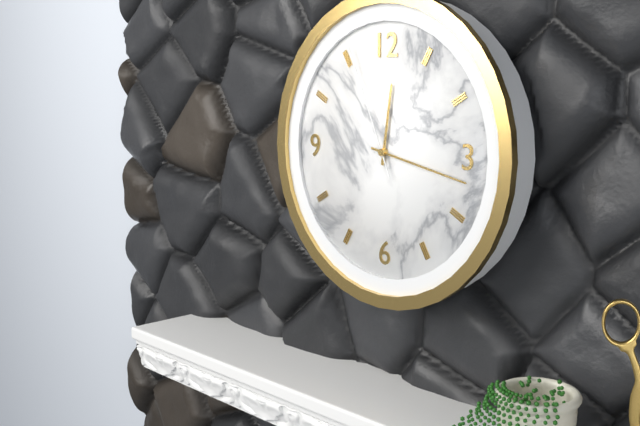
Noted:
**12:17:56**
